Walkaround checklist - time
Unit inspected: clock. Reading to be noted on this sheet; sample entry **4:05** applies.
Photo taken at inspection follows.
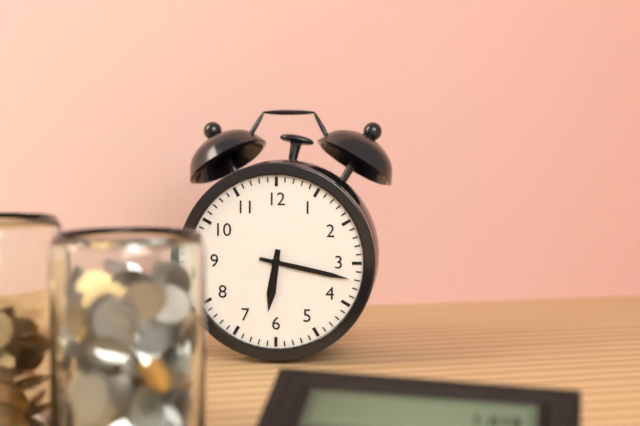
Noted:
**6:17**
